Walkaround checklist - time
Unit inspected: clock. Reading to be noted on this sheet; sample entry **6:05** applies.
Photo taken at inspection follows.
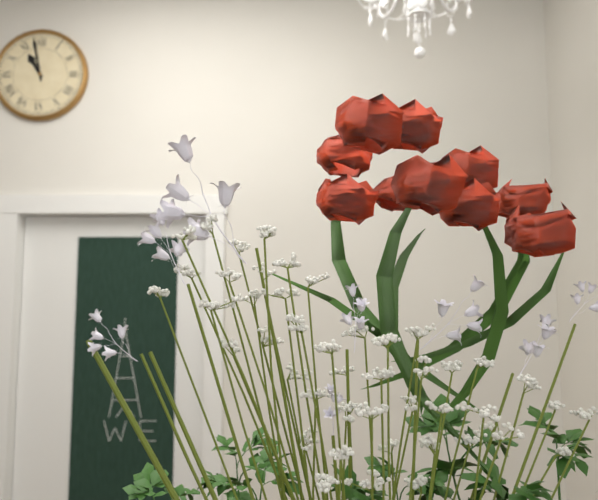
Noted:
**10:58**
